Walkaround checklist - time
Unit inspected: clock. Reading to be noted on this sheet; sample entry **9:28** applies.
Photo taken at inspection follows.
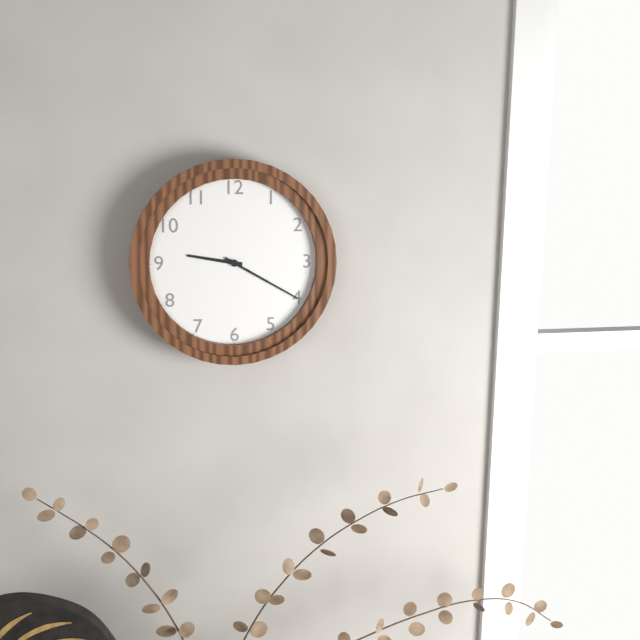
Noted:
**9:20**
